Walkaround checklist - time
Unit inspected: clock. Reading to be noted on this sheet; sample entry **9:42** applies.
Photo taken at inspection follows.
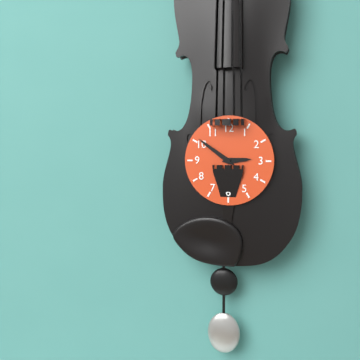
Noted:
**2:51**
